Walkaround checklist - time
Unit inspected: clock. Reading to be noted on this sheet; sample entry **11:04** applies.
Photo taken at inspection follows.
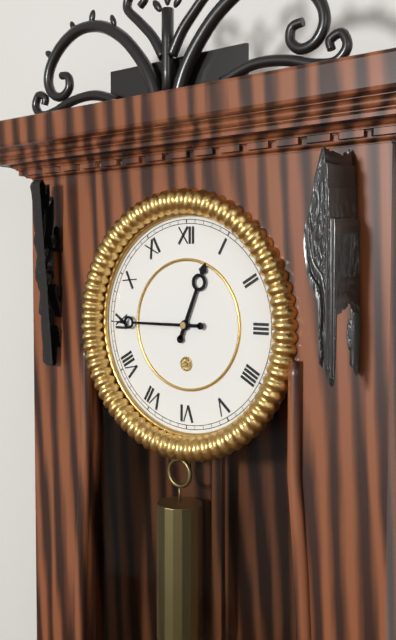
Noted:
**12:45**
